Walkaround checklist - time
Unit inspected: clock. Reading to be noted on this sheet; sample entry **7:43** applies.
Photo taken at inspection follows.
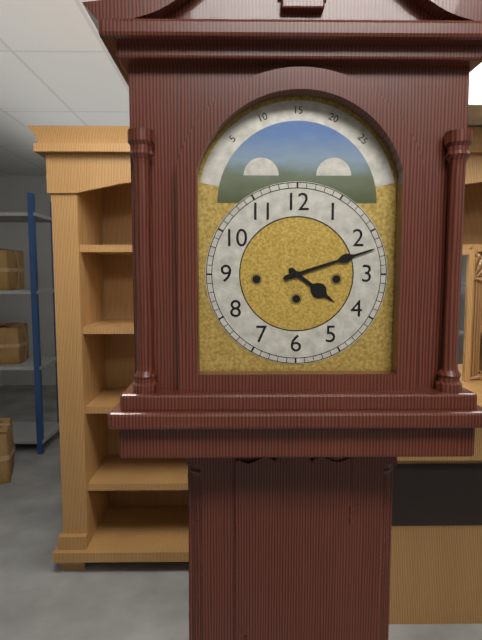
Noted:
**4:12**
